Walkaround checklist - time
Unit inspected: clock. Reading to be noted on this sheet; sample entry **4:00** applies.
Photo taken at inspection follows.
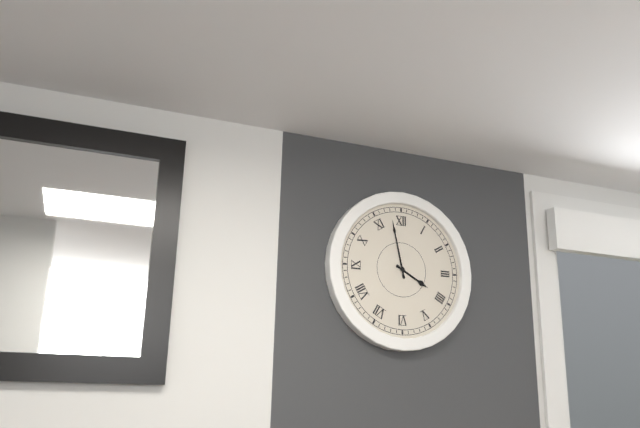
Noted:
**3:58**
